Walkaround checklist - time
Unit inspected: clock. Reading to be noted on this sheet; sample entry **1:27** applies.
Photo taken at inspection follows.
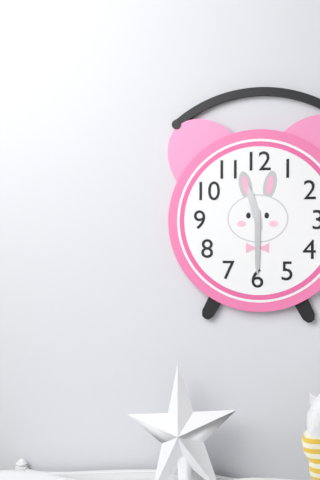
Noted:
**11:30**
